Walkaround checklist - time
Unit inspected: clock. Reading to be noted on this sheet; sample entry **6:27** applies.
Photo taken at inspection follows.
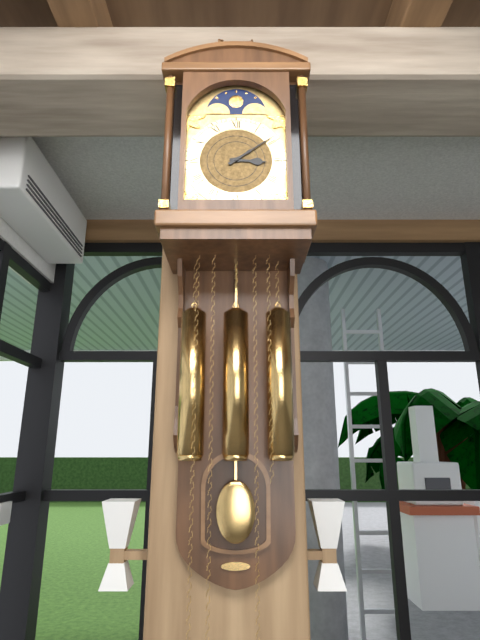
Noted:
**3:09**
